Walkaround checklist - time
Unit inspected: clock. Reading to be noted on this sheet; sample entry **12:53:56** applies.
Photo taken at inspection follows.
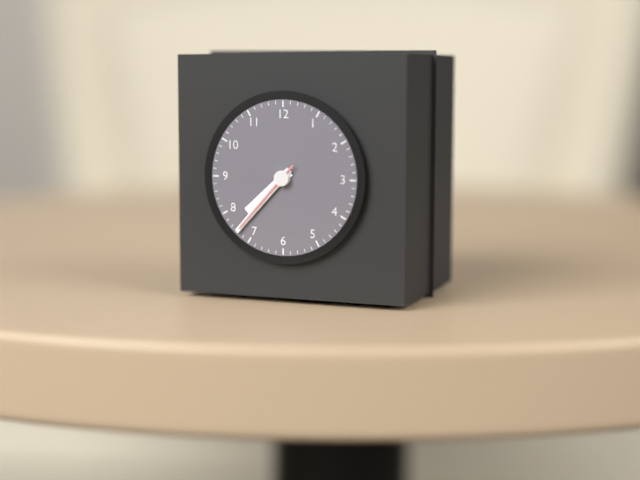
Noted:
**7:37:37**
